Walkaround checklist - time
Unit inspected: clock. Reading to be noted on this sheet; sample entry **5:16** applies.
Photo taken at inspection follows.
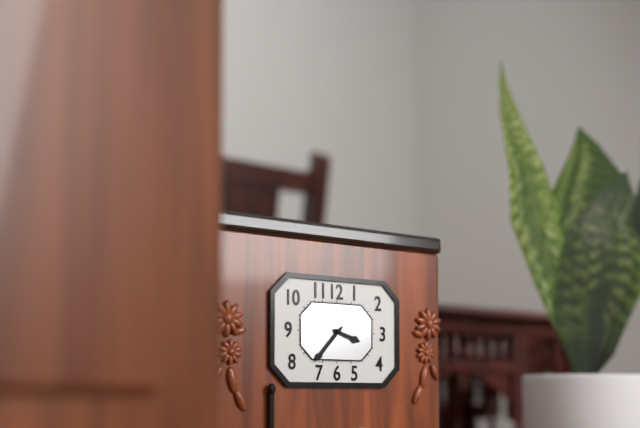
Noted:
**3:37**
